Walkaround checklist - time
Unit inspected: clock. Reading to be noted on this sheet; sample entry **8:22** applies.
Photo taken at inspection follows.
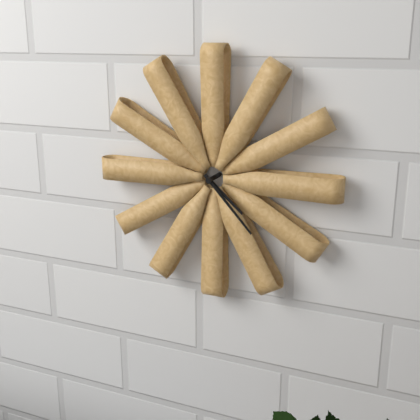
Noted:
**4:23**
